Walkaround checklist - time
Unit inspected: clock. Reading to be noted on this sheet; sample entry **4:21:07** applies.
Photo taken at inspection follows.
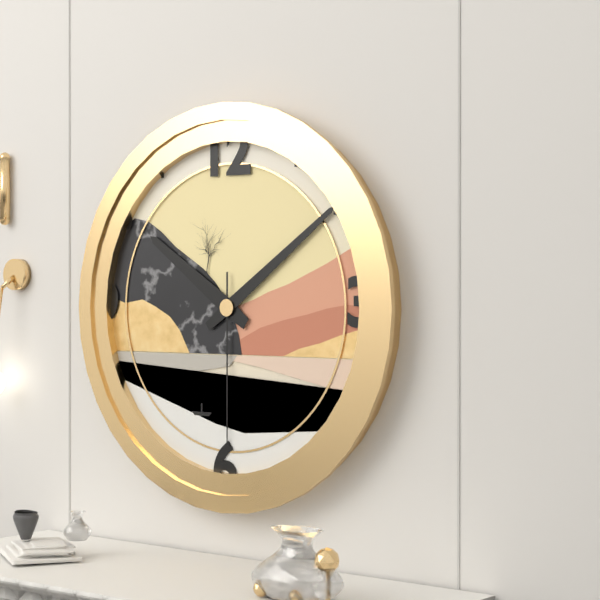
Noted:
**10:09:30**
